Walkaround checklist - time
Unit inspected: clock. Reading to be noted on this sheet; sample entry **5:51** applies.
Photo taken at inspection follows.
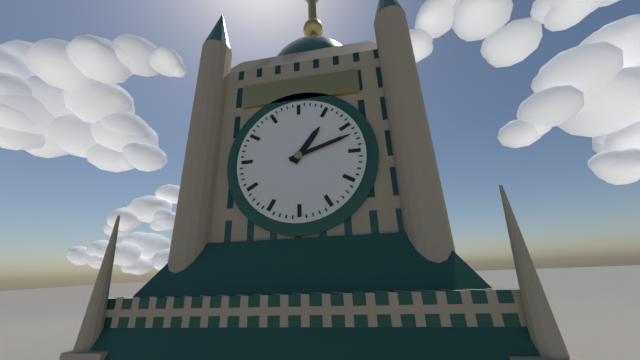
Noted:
**1:12**
